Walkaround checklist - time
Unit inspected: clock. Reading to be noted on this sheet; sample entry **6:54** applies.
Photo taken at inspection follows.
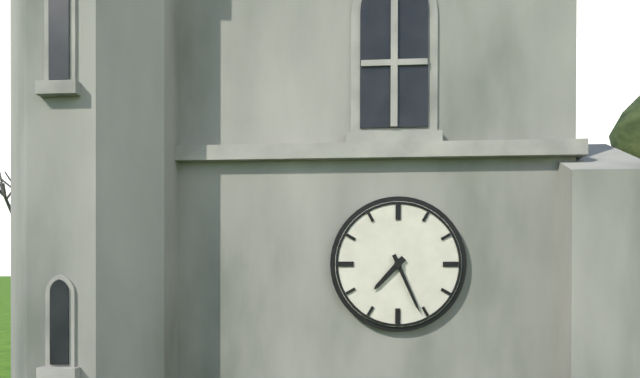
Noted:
**7:26**
